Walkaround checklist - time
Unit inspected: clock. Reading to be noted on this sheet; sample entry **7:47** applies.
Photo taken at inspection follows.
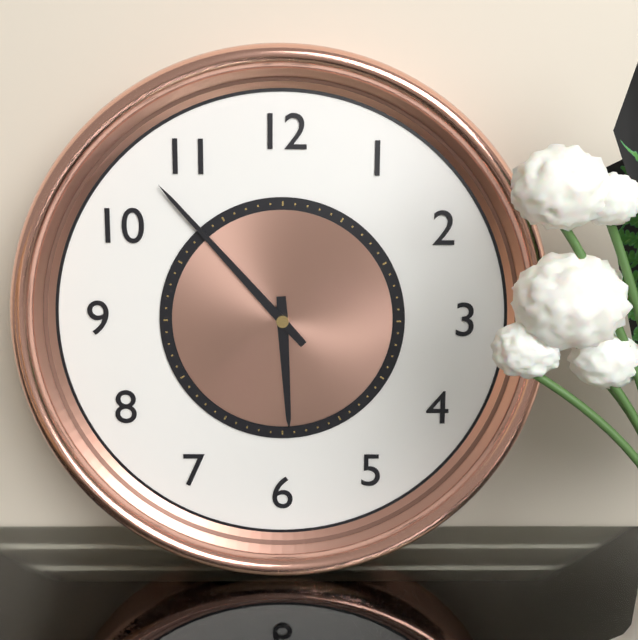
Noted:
**5:53**
